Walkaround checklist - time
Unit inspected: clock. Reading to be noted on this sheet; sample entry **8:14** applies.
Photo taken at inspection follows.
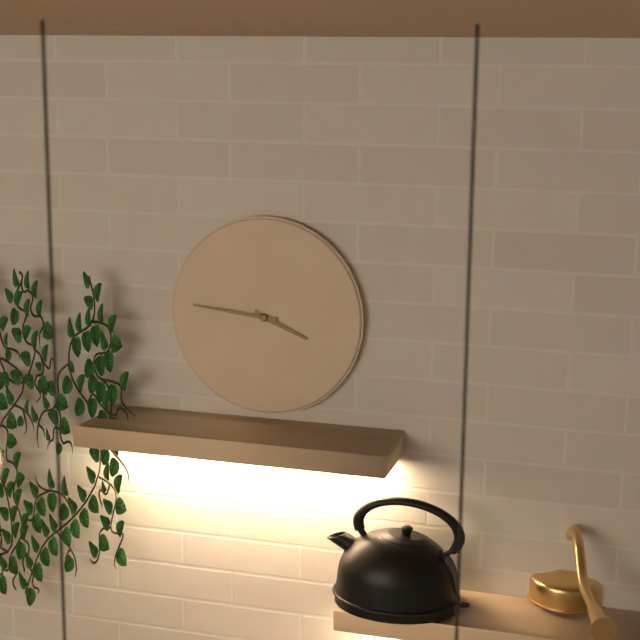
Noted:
**3:46**
